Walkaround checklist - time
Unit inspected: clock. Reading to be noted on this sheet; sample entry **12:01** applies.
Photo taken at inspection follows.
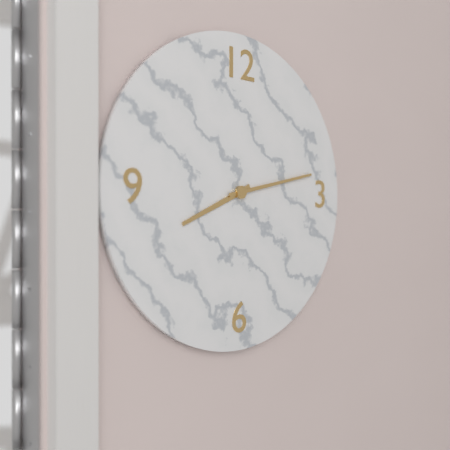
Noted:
**8:13**
